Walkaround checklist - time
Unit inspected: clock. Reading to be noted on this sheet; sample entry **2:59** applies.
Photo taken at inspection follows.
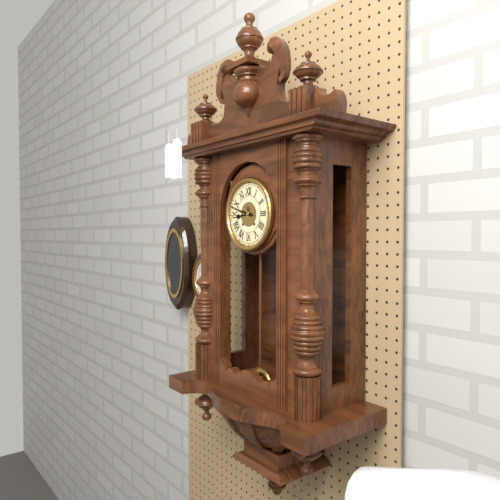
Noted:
**8:48**
